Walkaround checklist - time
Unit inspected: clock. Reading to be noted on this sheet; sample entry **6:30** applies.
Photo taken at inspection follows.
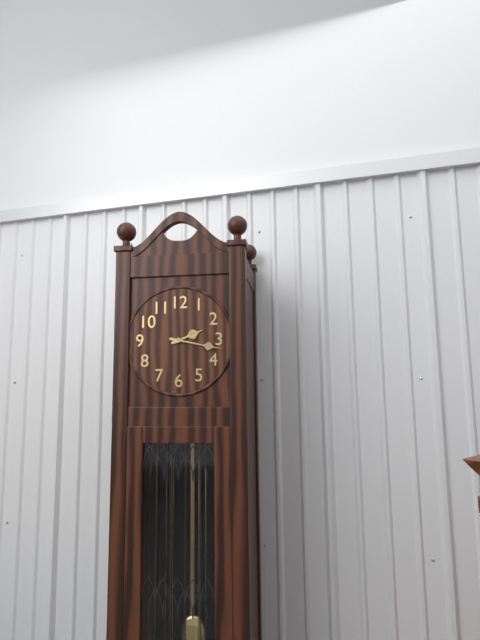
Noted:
**2:17**
